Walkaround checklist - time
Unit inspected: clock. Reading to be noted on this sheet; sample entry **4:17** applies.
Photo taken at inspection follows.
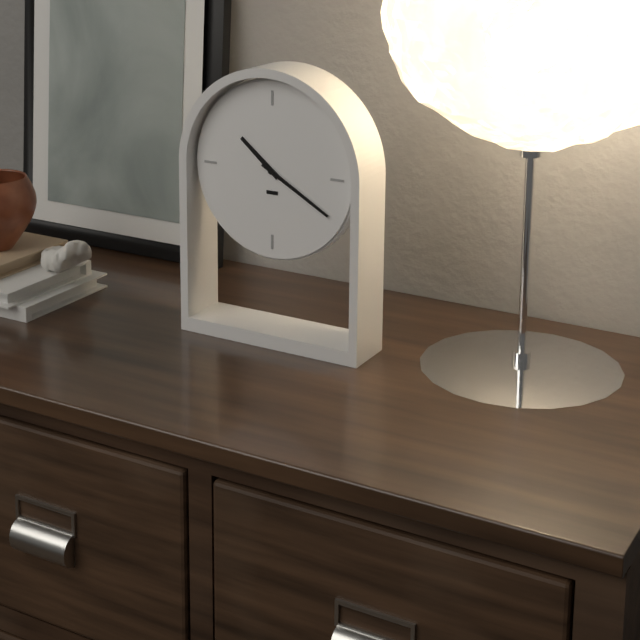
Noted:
**10:20**
